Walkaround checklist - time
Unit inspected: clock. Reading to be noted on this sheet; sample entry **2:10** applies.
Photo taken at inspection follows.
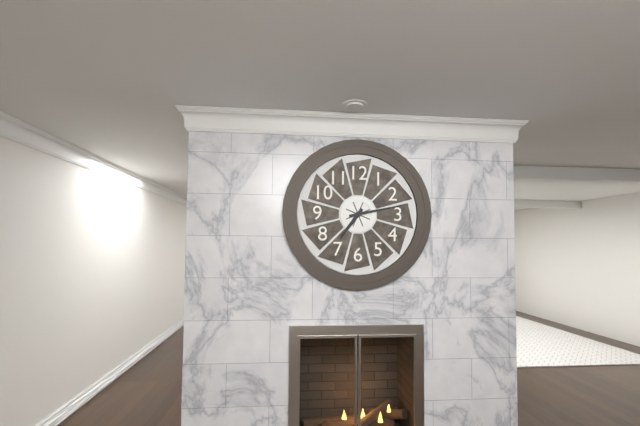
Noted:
**7:13**
